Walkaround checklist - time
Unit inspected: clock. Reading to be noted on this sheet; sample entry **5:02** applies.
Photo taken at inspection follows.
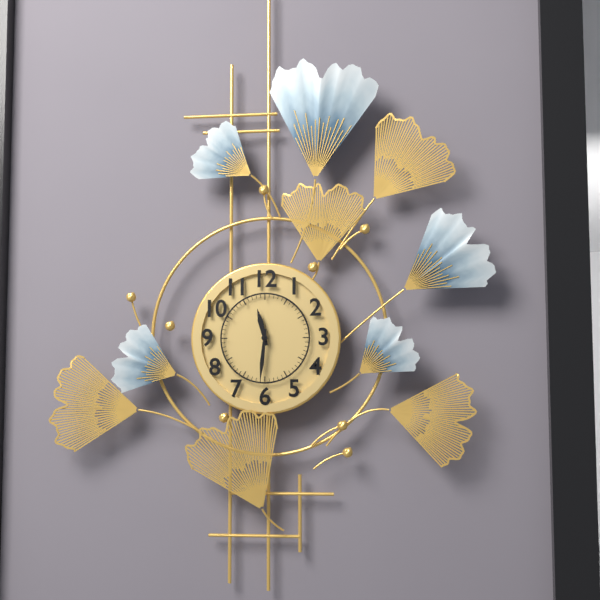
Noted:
**11:31**
